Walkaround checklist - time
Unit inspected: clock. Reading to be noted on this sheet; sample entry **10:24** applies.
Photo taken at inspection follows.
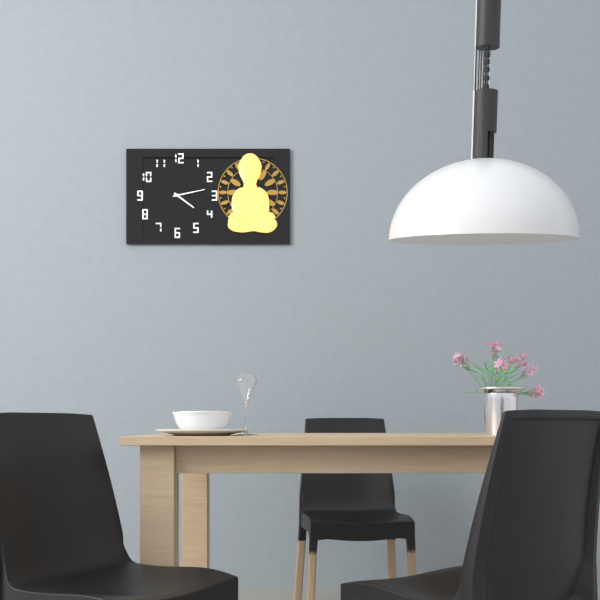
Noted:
**4:13**
